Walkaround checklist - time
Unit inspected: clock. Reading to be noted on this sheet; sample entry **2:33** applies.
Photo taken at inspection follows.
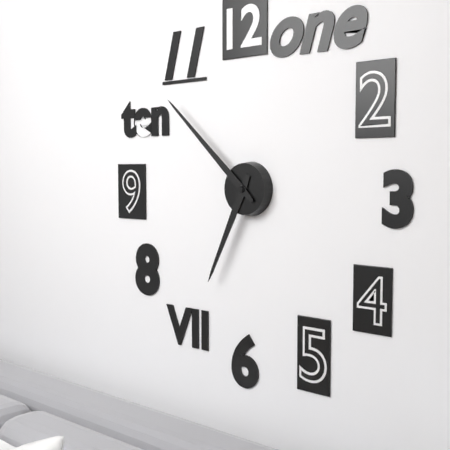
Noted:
**6:52**
